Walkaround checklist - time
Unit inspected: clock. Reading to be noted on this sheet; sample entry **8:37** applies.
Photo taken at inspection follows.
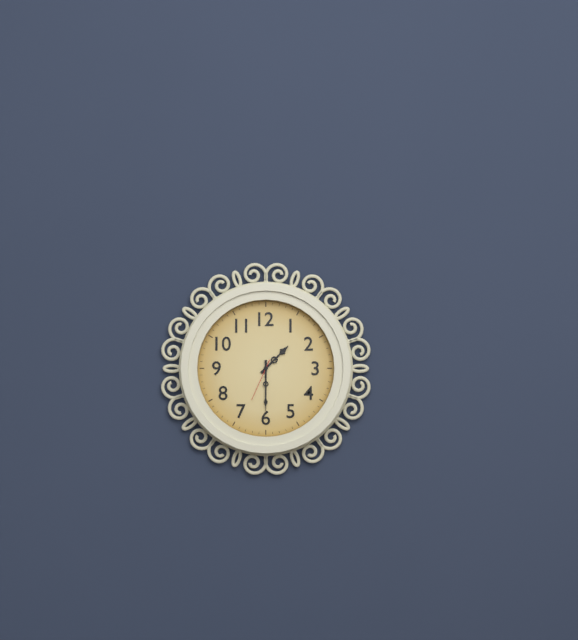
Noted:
**1:30**
